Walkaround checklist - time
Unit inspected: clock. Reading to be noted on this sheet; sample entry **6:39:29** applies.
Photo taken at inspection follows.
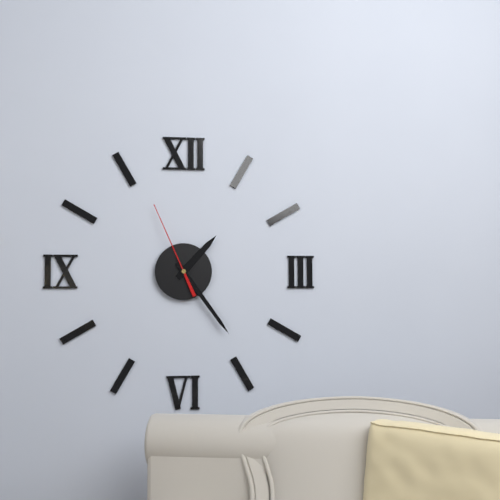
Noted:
**1:24:56**
